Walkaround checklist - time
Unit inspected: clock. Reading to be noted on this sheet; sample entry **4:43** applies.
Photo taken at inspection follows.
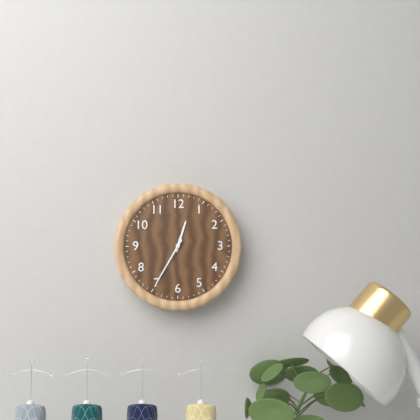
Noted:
**12:35**
